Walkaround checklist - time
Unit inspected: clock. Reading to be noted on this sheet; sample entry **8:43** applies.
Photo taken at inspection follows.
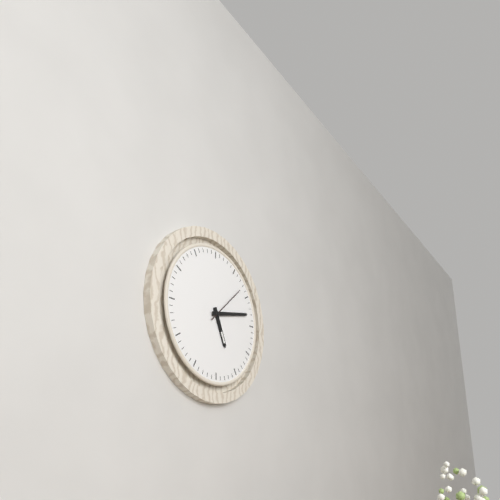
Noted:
**5:13**
